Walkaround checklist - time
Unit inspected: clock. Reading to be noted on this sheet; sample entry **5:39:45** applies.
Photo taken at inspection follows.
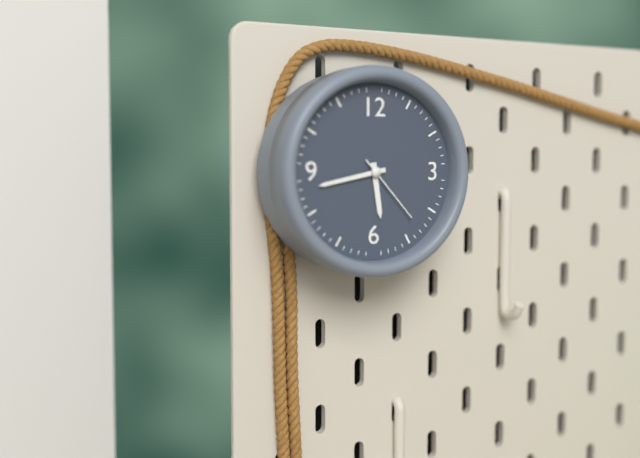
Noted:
**5:43:23**
